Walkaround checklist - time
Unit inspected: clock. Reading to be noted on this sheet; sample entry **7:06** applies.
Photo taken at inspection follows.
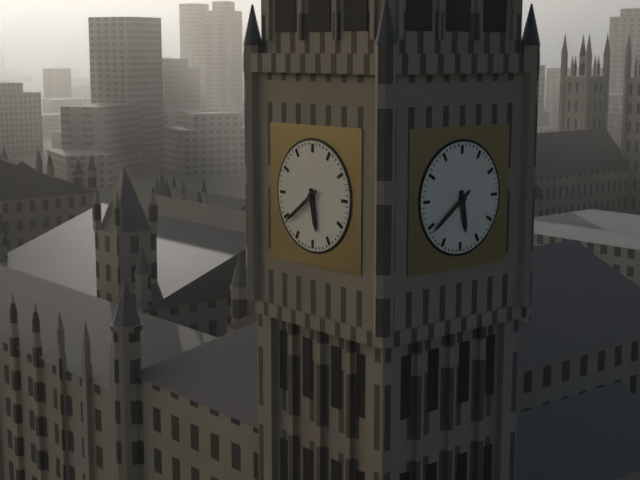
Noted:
**5:39**
